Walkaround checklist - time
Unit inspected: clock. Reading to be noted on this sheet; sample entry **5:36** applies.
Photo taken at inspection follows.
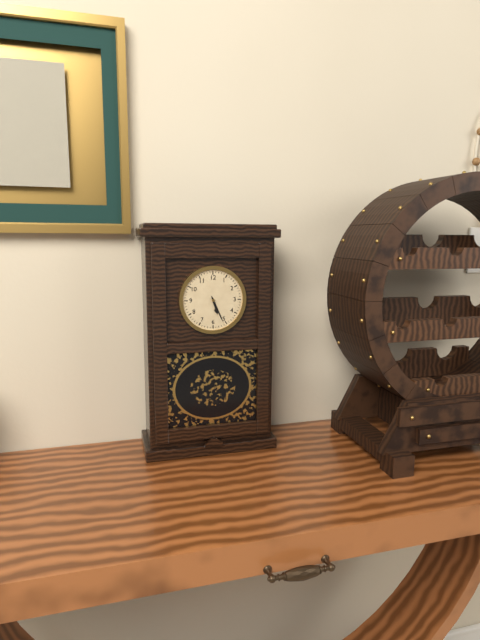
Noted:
**5:26**
